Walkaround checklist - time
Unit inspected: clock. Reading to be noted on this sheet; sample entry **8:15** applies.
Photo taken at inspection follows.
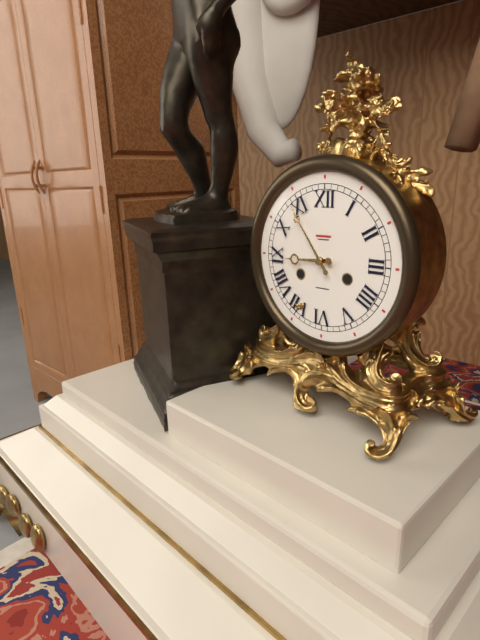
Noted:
**8:54**
